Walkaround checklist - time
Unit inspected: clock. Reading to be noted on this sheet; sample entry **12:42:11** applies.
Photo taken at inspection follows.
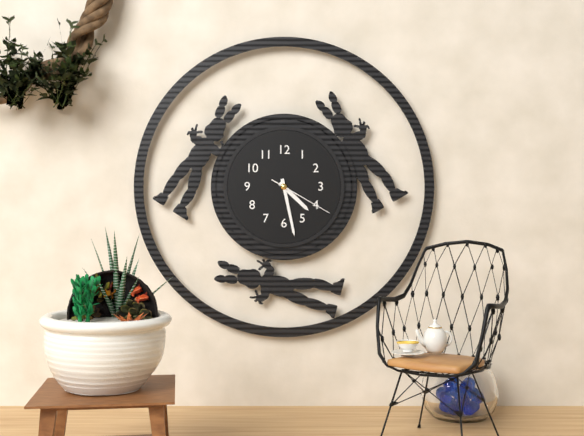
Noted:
**4:28:20**
